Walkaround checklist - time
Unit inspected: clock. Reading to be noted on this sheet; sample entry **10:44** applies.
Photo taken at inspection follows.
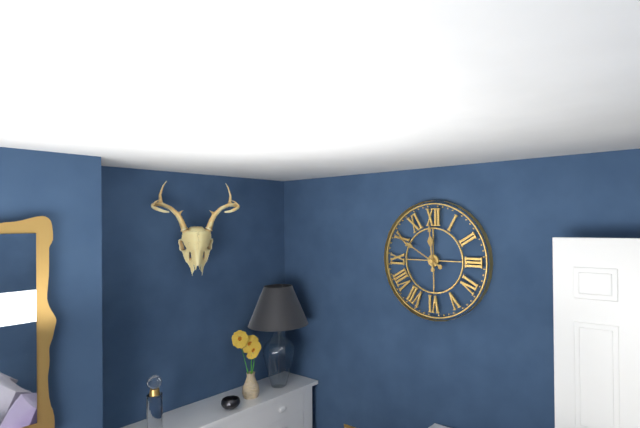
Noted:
**11:50**
